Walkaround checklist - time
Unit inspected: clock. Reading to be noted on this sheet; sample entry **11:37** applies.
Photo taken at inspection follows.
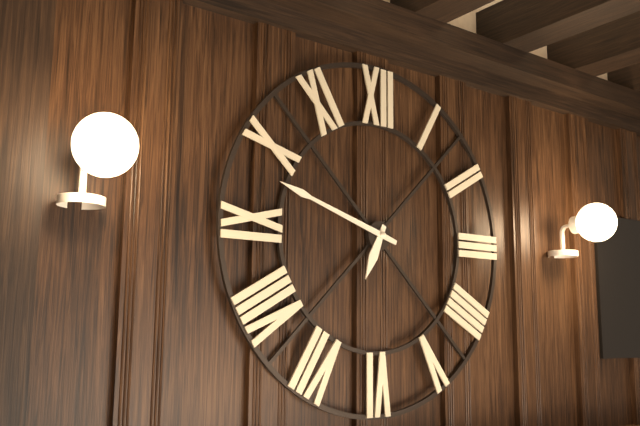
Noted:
**6:48**
